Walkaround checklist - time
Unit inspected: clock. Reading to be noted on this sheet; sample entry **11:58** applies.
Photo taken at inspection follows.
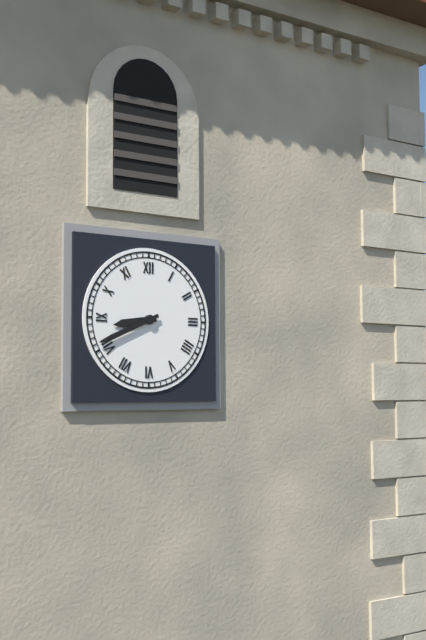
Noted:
**8:41**
